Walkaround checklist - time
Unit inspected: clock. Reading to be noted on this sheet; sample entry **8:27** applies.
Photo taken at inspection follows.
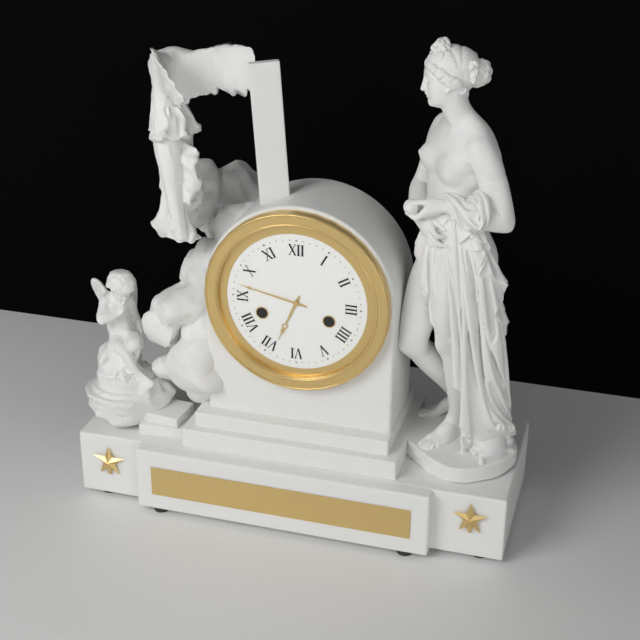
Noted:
**6:47**
